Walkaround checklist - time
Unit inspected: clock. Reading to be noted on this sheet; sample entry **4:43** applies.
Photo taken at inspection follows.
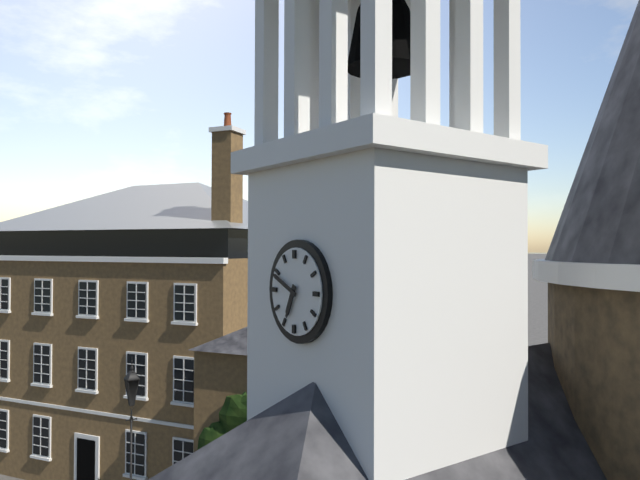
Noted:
**6:49**
